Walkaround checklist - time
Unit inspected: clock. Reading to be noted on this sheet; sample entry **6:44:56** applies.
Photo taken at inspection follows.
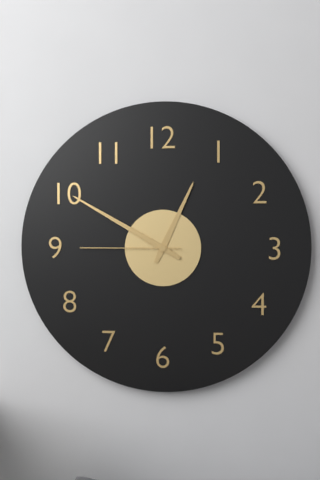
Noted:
**12:50:45**
